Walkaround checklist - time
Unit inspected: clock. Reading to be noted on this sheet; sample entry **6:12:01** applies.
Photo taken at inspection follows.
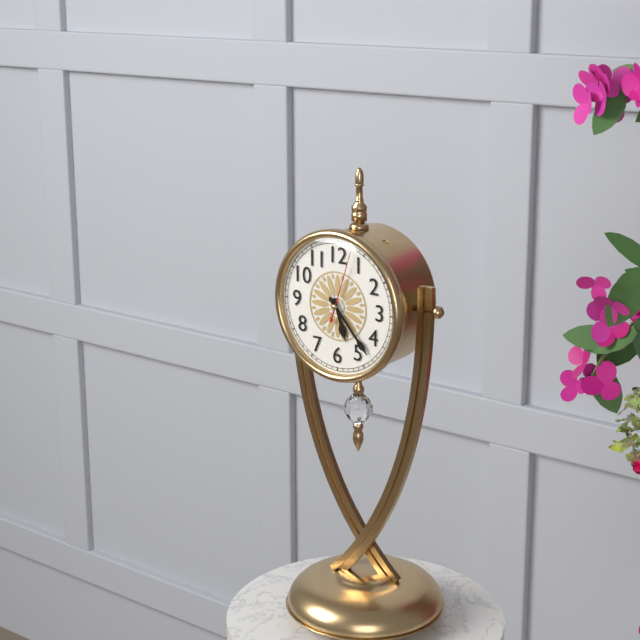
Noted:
**5:23:03**
